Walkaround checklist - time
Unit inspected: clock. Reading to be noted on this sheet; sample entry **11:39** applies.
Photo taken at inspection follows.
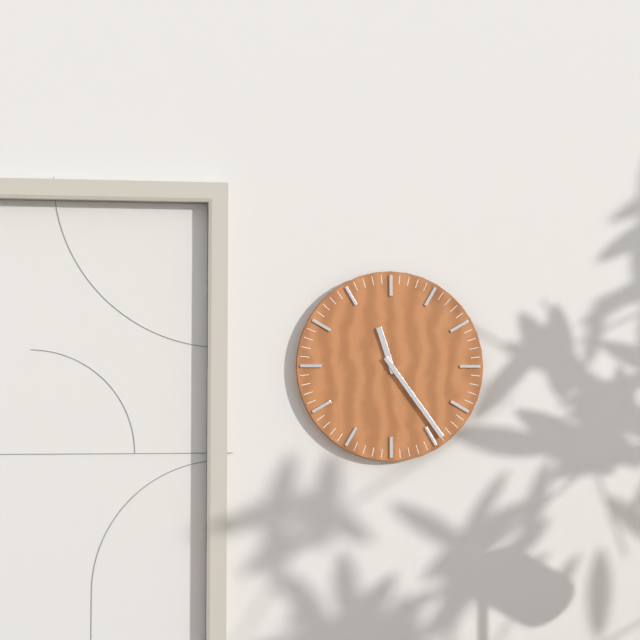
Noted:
**11:24**
